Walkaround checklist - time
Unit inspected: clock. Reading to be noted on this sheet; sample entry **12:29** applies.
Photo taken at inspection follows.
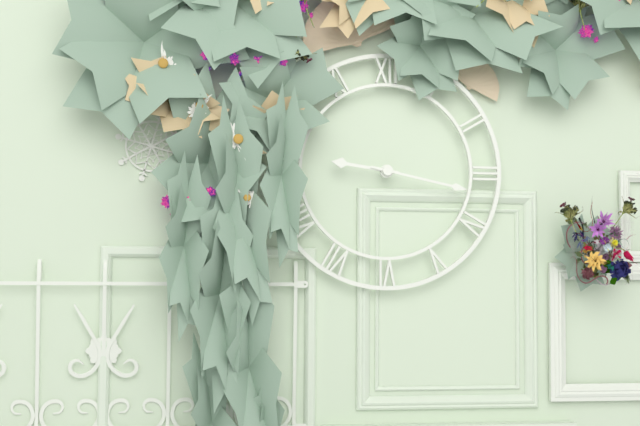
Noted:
**9:17**
